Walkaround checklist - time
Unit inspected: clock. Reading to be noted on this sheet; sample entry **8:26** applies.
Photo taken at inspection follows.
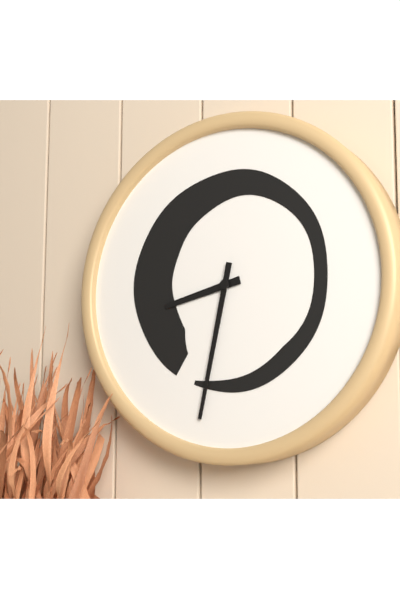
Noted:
**8:32**
